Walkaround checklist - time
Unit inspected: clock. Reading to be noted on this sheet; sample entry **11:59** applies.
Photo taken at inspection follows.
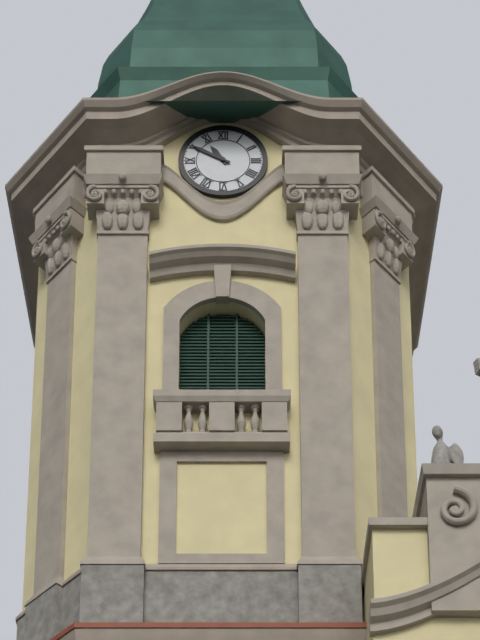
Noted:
**10:50**
